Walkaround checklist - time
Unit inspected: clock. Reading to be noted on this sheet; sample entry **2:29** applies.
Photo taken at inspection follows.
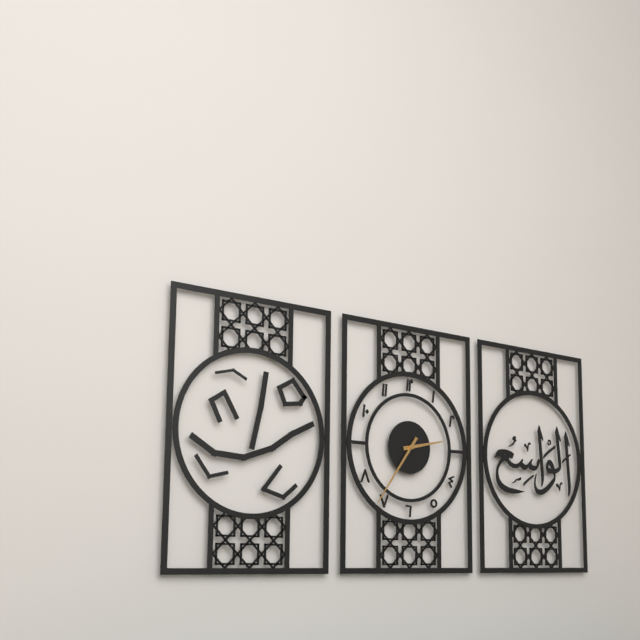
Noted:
**2:36**
